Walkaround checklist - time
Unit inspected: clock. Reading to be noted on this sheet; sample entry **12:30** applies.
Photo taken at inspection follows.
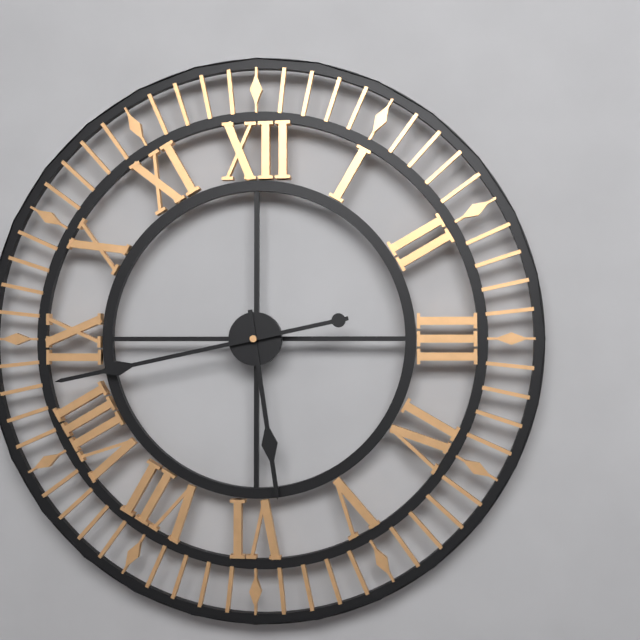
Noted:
**5:43**
